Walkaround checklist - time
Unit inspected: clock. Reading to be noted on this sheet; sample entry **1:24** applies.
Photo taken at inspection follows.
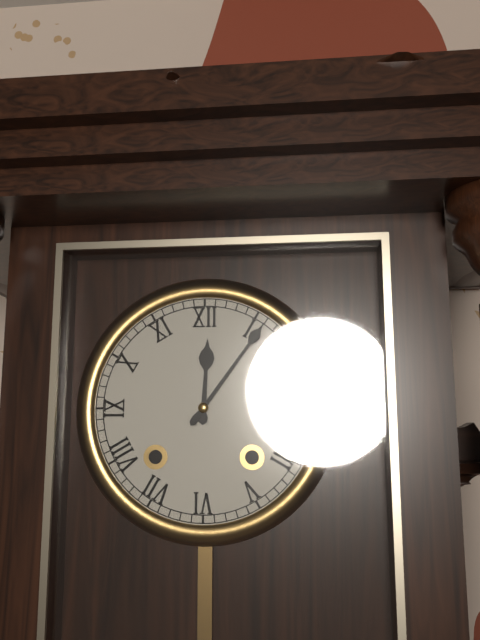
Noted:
**12:06**
